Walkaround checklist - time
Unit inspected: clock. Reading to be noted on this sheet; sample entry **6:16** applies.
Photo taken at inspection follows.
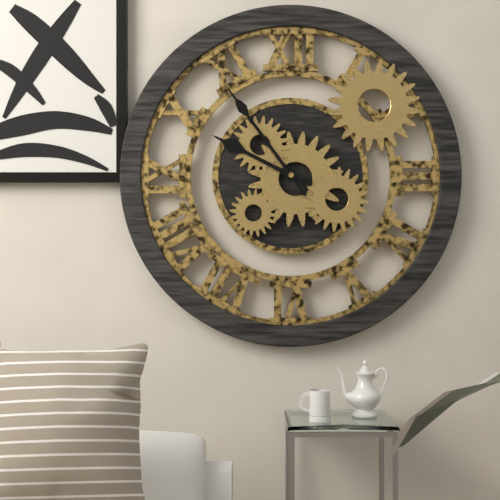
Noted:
**9:54**
